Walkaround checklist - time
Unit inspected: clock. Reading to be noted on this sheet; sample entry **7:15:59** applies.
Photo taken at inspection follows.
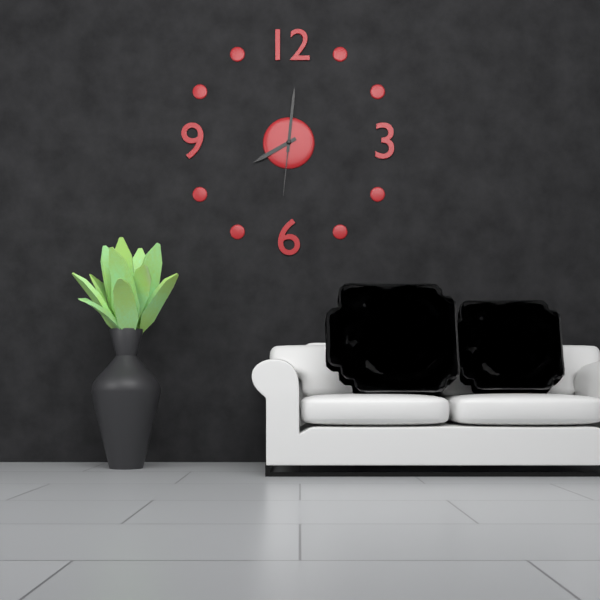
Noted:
**8:01:31**
